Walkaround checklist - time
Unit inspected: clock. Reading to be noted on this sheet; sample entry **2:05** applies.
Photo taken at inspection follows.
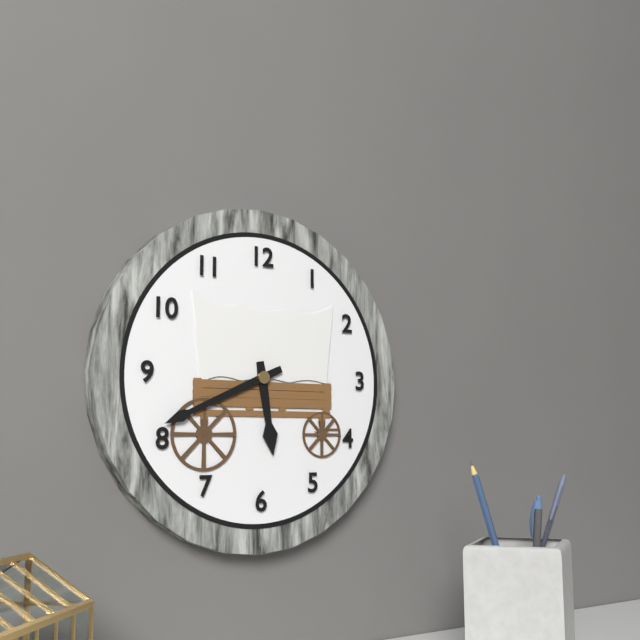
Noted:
**5:41**
